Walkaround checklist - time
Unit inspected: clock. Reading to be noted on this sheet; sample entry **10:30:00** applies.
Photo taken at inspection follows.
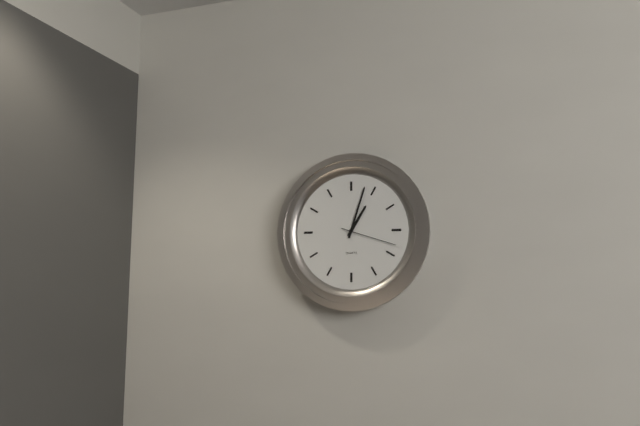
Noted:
**1:03:18**
